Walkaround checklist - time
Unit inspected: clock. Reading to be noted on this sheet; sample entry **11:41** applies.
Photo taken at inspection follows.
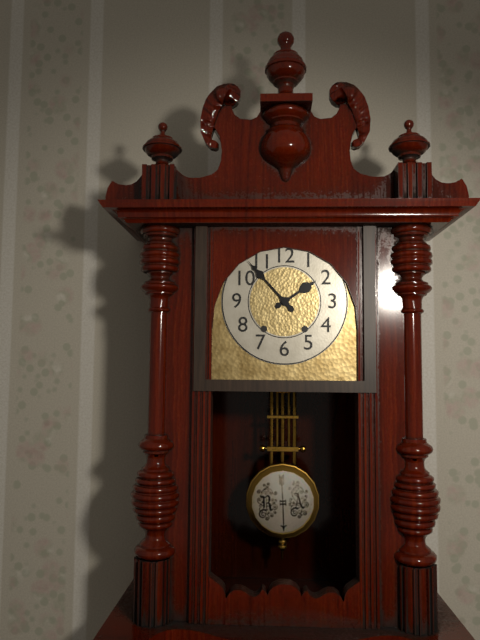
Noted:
**1:53**
